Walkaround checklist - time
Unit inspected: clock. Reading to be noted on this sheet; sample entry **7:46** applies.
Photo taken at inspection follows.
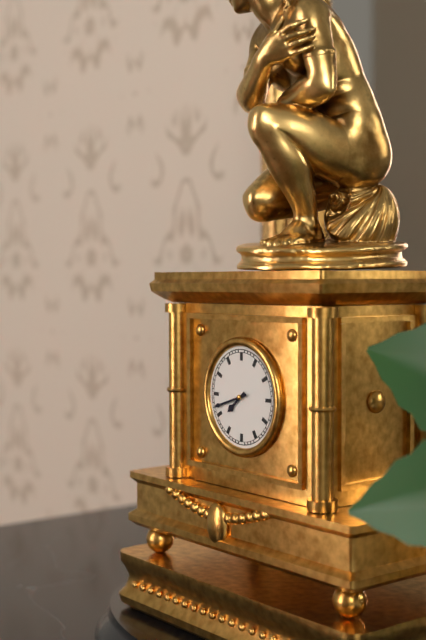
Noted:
**7:42**
